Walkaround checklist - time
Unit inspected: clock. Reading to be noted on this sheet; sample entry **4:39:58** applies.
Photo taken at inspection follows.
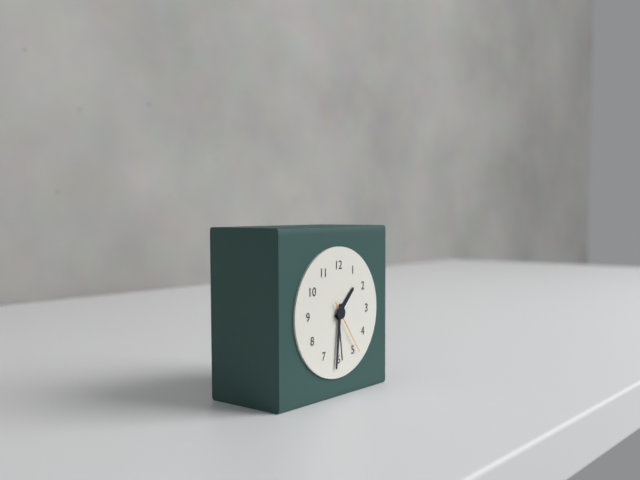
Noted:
**1:31:24**
